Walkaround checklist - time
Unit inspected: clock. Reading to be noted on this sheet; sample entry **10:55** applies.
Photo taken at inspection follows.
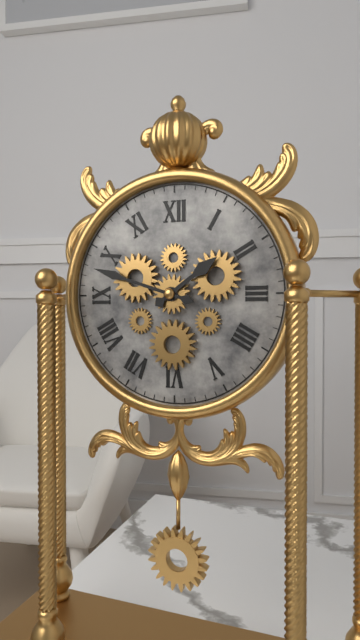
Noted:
**1:48**
